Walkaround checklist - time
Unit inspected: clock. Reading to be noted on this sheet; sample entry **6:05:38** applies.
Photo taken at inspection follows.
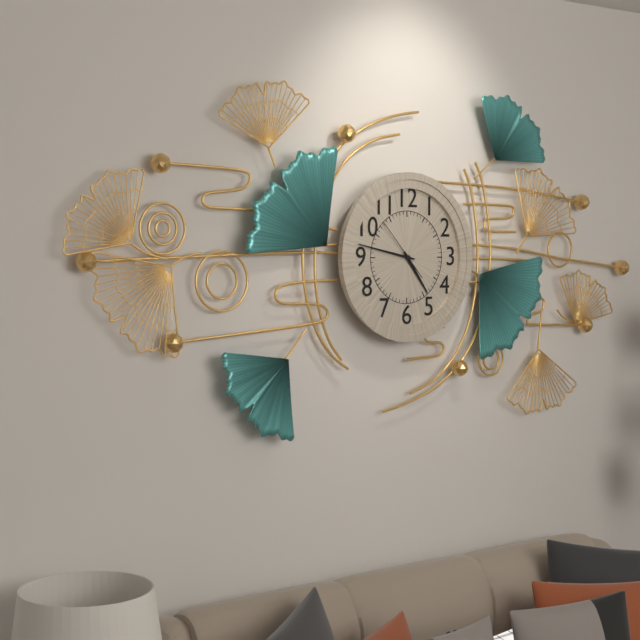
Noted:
**4:47:53**
